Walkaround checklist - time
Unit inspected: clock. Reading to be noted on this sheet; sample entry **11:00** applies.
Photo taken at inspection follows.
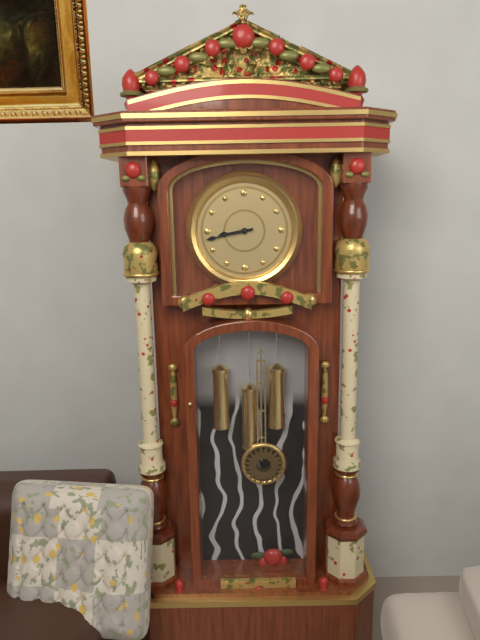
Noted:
**8:43**
